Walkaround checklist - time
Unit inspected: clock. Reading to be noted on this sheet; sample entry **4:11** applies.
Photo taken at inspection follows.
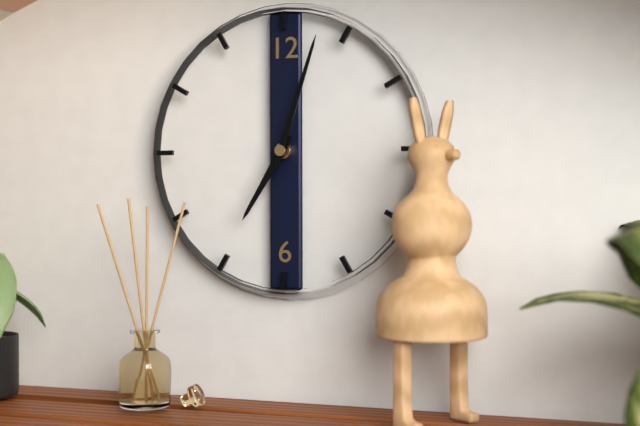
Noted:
**7:03**
